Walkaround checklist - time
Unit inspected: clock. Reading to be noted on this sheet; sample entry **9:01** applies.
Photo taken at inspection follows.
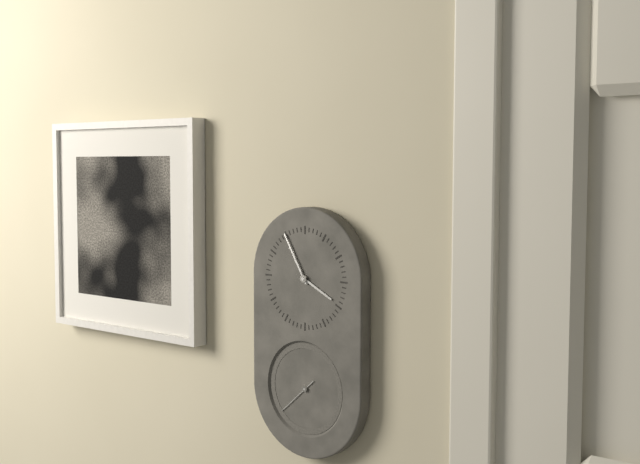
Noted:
**3:55**
